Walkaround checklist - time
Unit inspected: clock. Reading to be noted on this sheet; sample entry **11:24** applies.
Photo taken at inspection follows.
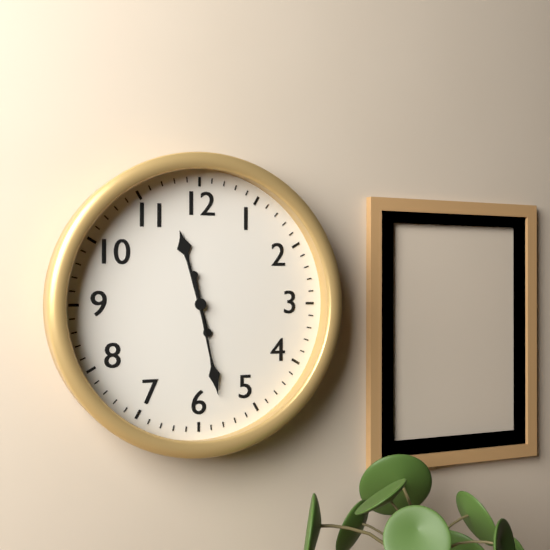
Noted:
**11:28**
